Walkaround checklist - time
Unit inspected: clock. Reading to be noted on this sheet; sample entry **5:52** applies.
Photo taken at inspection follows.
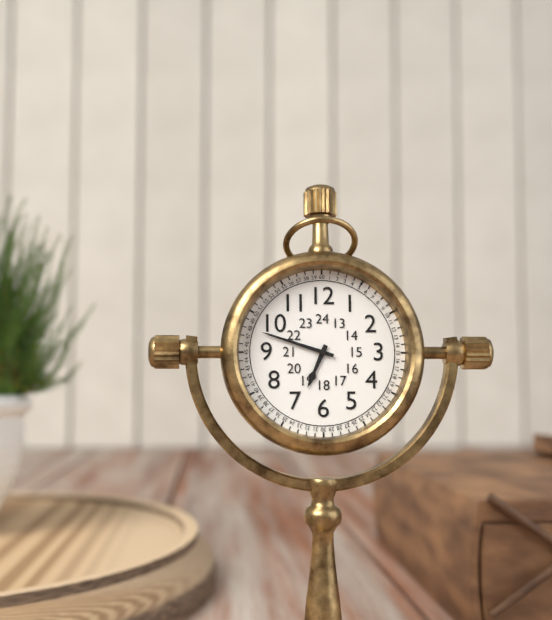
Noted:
**6:48**
